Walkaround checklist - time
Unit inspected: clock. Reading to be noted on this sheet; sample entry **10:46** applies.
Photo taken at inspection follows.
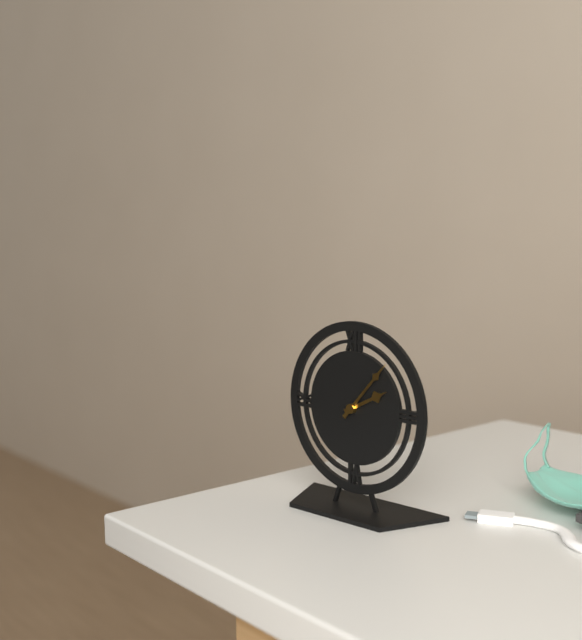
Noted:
**2:07**
